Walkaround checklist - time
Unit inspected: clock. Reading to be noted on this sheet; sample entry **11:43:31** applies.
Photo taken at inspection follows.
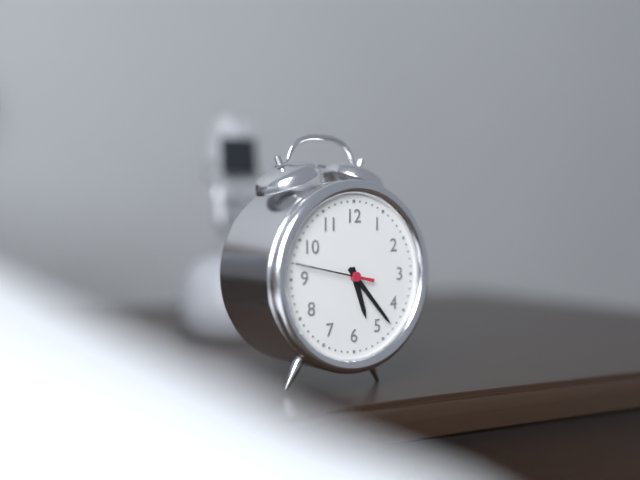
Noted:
**5:23:47**
